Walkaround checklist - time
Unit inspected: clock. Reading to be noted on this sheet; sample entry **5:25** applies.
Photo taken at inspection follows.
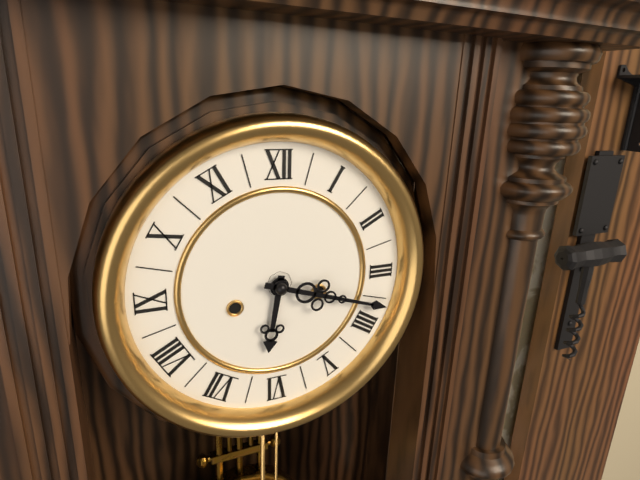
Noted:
**6:18**
